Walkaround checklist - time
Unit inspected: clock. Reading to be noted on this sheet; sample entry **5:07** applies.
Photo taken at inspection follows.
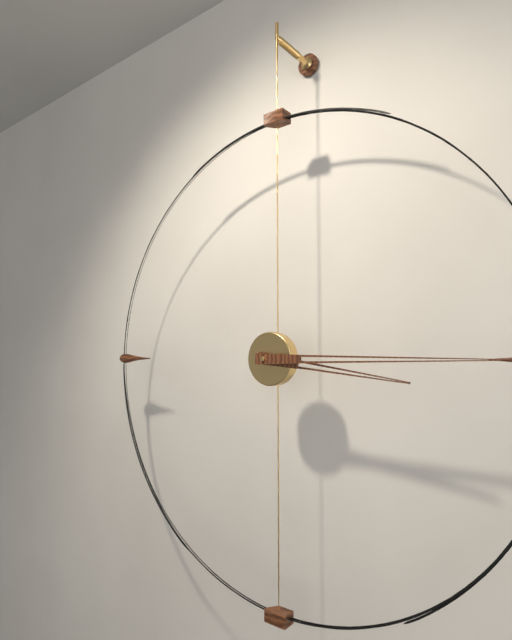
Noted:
**3:15**
